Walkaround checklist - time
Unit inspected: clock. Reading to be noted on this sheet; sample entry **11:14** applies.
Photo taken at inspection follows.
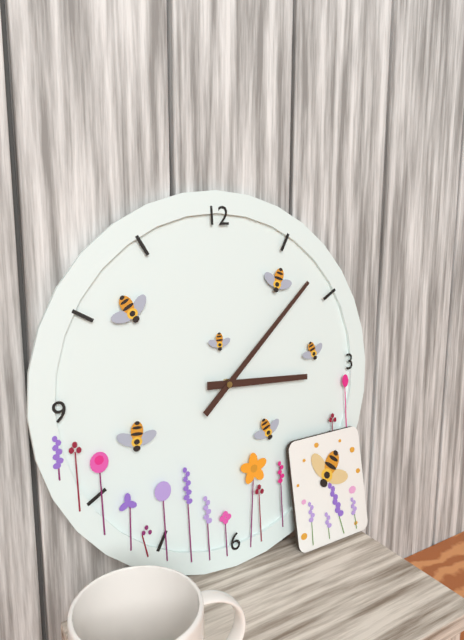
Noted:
**3:08**
